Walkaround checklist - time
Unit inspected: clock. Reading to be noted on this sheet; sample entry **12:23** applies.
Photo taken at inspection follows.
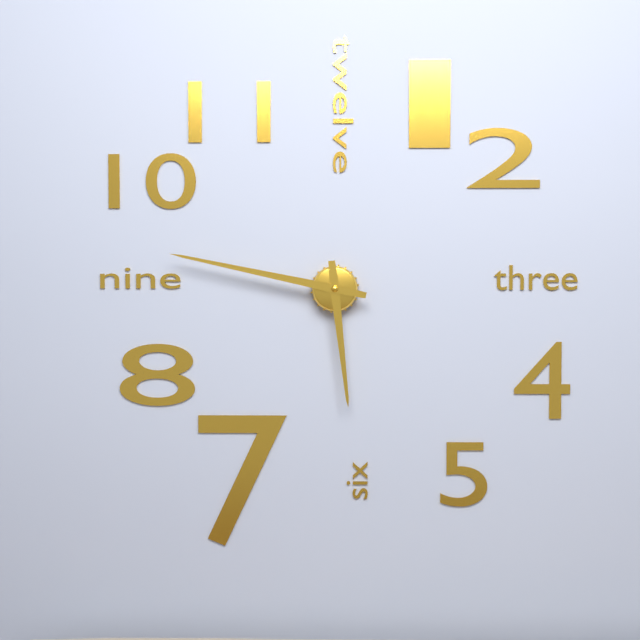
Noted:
**5:47**
